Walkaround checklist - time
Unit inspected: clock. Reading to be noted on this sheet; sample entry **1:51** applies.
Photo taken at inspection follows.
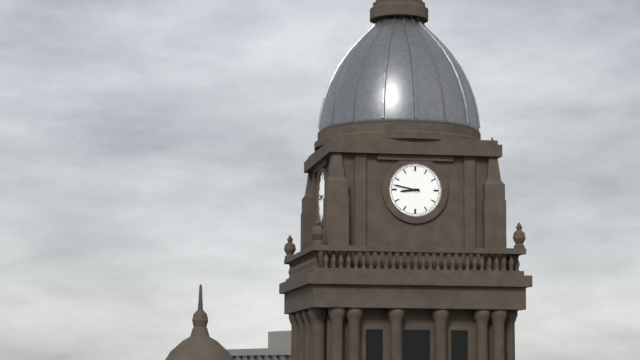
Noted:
**8:47**
